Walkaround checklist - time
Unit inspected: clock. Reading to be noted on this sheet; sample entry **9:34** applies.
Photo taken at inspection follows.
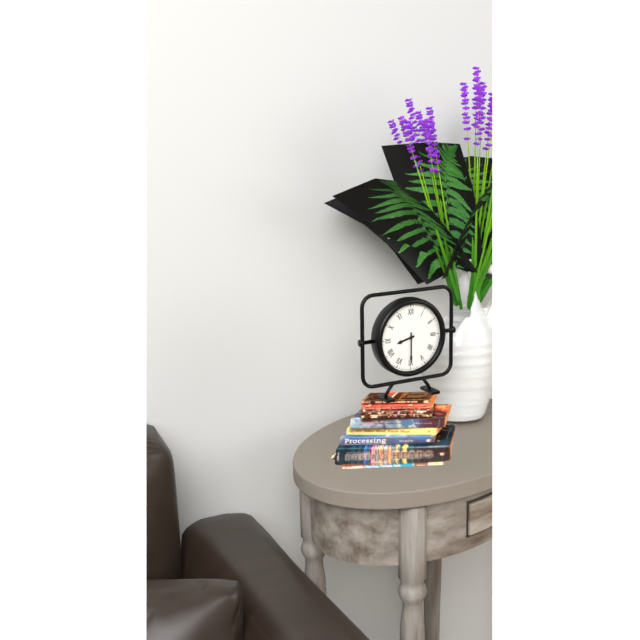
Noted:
**8:30**
